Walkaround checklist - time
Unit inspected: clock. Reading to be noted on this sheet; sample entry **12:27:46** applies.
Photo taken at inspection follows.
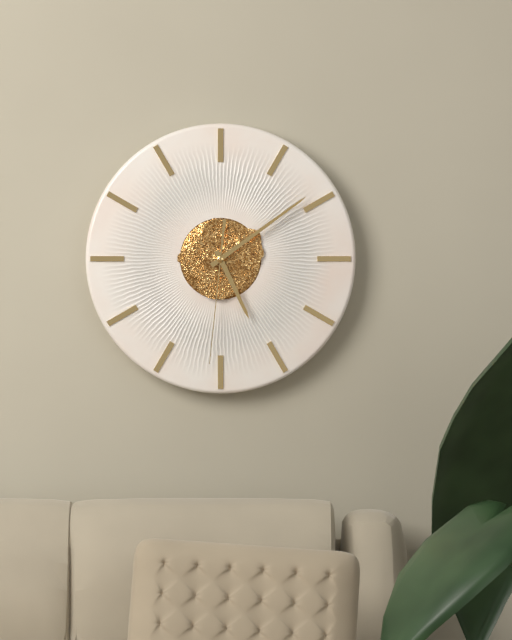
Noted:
**5:09:31**
